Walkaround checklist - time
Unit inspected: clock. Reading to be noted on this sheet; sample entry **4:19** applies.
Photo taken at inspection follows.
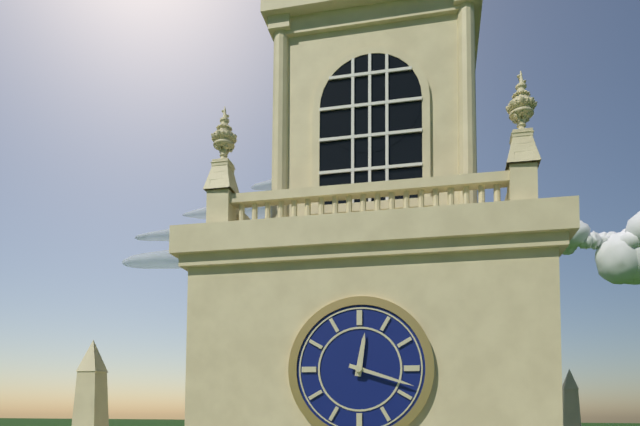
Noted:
**12:18**
